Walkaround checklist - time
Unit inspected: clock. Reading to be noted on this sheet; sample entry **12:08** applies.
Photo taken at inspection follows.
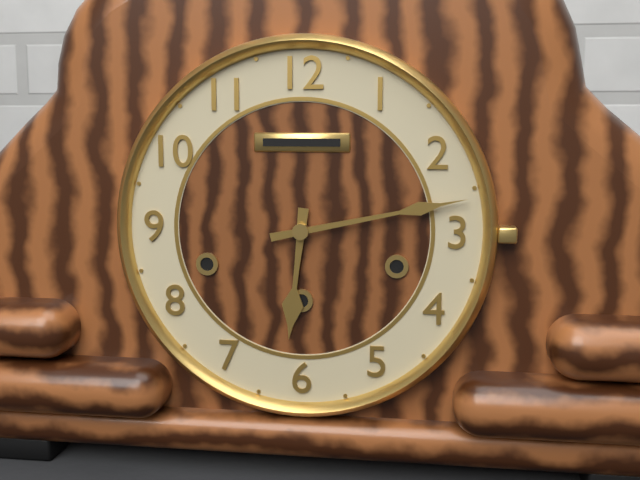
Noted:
**6:13**
